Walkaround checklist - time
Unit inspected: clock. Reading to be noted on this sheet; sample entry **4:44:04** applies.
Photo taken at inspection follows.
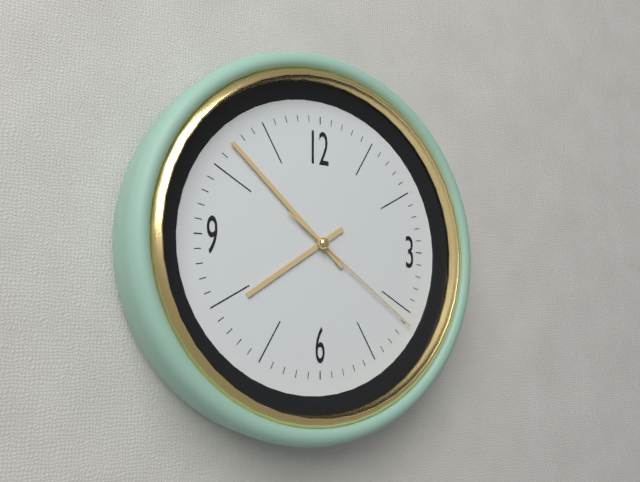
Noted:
**7:52:21**
